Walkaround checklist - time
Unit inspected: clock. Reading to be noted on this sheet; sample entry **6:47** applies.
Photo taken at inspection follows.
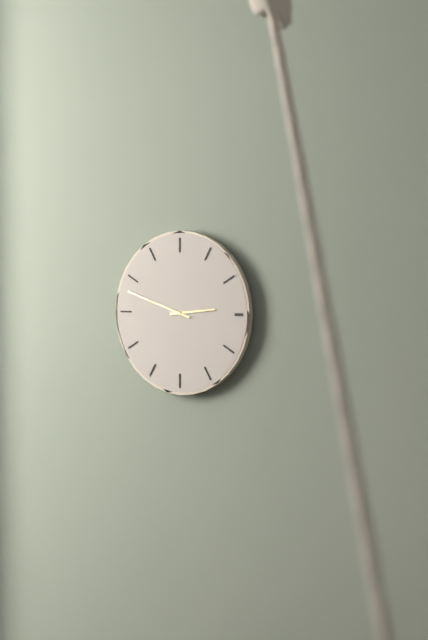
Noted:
**2:48**
